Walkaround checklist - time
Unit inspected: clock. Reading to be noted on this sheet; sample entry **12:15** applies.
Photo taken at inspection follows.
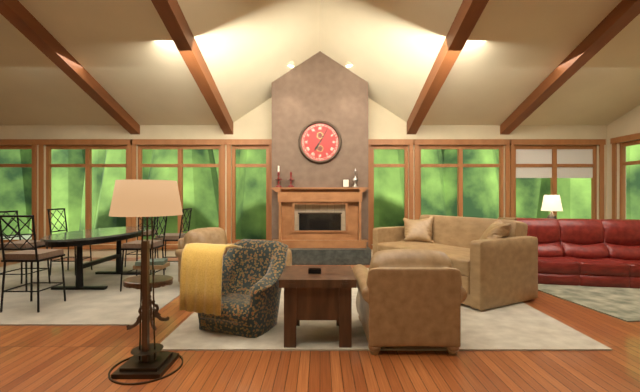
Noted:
**7:05**
